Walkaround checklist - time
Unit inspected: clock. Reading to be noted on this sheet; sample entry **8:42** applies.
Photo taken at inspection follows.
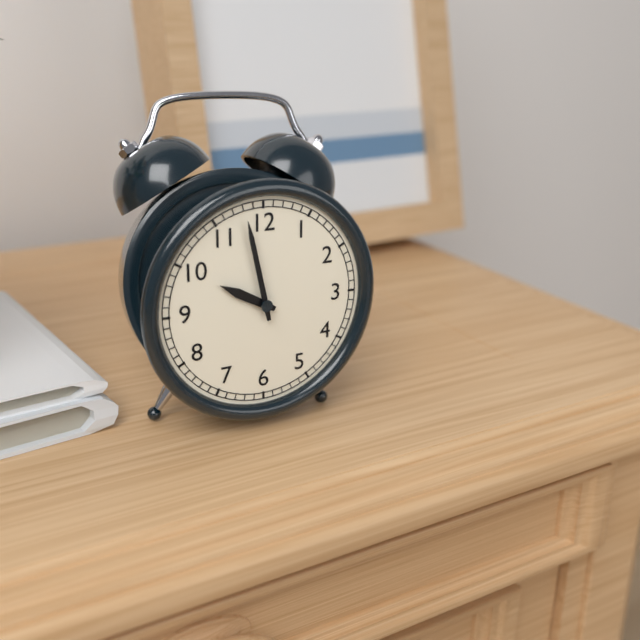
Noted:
**9:58**
